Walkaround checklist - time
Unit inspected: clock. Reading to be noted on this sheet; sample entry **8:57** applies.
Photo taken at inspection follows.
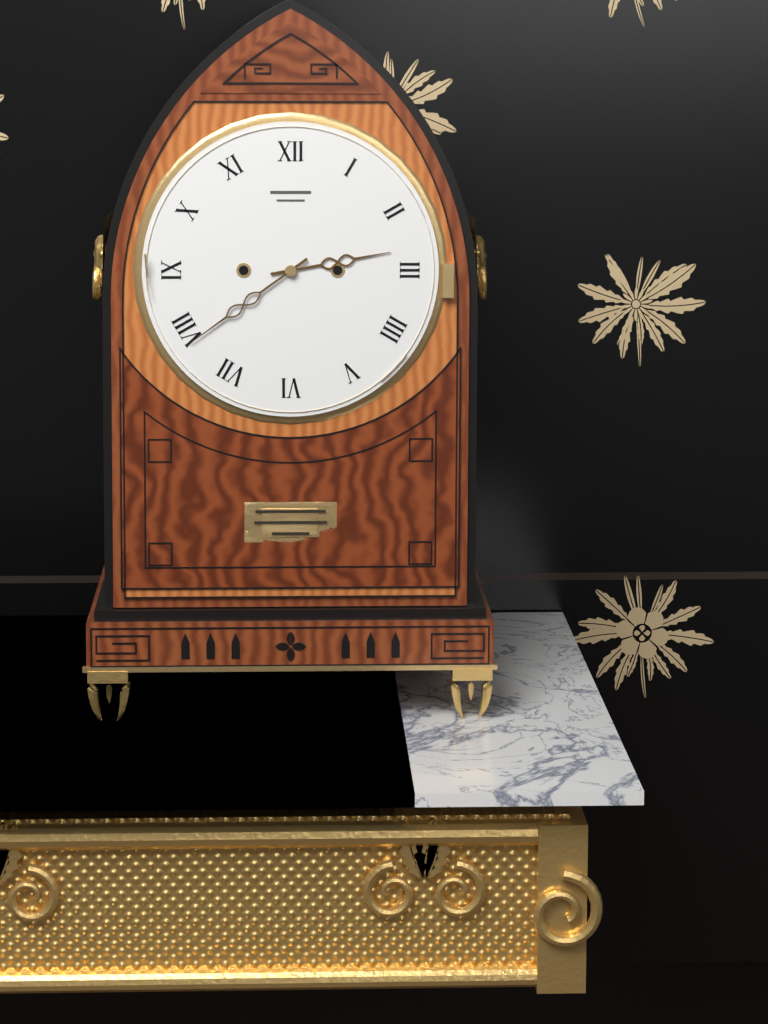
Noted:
**2:39**
